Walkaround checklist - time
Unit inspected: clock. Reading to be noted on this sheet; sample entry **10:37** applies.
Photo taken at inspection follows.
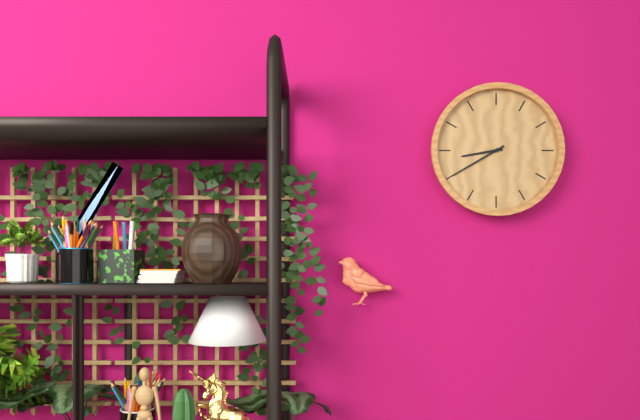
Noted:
**8:40**
